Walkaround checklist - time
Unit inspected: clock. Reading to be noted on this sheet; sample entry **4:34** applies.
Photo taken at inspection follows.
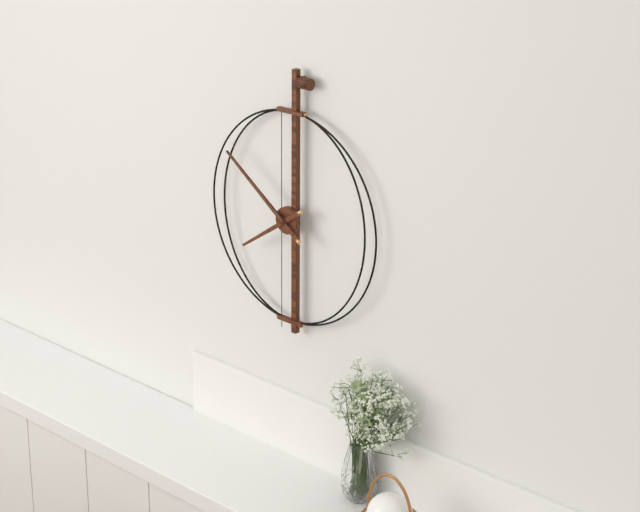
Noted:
**7:51**
